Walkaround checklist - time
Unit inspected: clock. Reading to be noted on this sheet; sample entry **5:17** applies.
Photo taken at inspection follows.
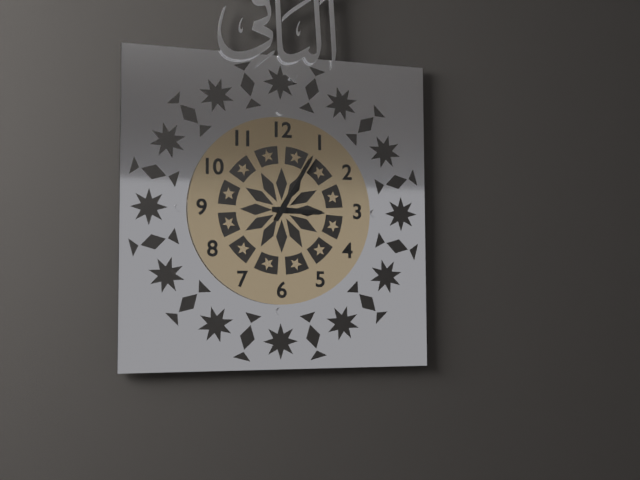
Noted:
**3:05**
